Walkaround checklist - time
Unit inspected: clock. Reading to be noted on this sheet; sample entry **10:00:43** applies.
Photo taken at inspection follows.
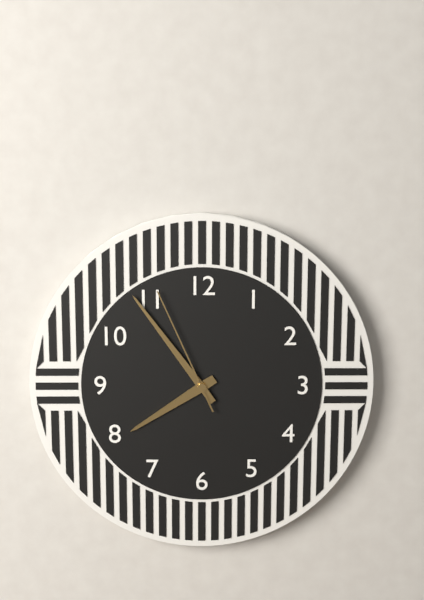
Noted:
**7:54:56**
